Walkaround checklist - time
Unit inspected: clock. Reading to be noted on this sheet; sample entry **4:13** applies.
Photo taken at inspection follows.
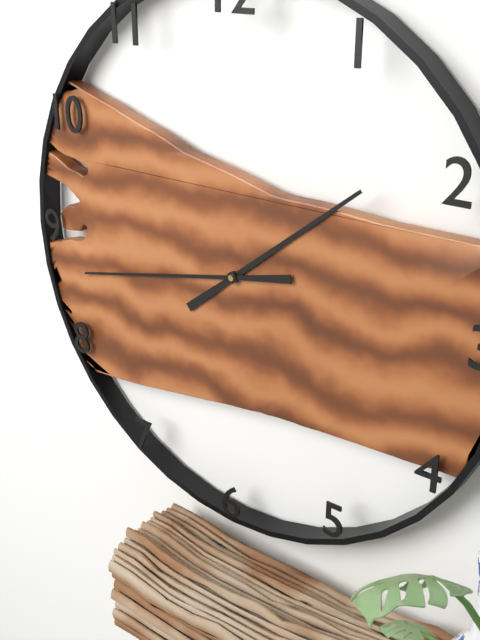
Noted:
**1:43**
